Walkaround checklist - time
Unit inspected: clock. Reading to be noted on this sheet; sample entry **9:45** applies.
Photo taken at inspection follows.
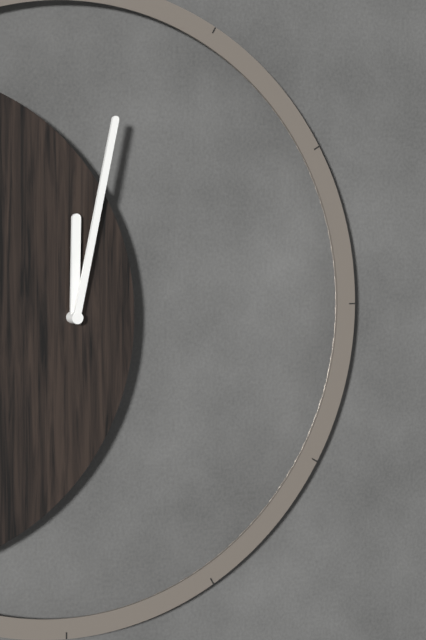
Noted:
**12:02**
